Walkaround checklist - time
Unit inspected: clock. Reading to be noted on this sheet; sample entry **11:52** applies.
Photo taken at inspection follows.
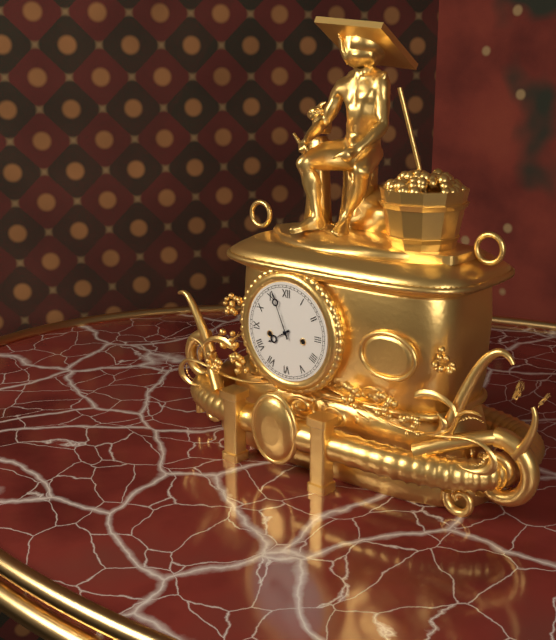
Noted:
**7:56**
